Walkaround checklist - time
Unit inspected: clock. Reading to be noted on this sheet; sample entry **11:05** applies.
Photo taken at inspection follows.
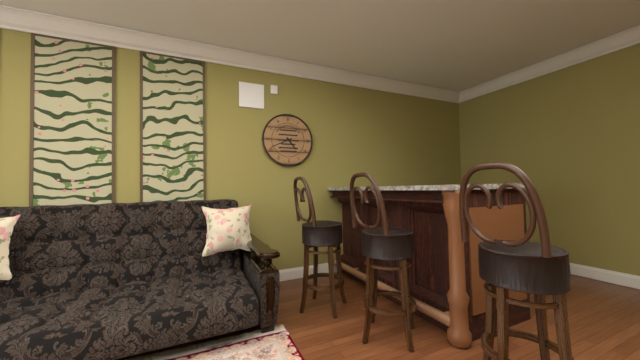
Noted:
**4:41**
